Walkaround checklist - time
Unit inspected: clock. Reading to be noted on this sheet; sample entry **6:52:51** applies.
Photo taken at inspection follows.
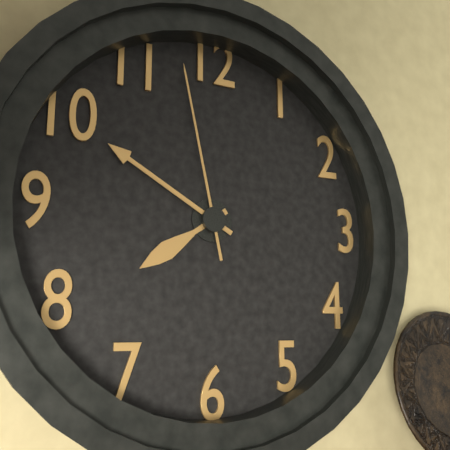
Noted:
**7:50:58**
